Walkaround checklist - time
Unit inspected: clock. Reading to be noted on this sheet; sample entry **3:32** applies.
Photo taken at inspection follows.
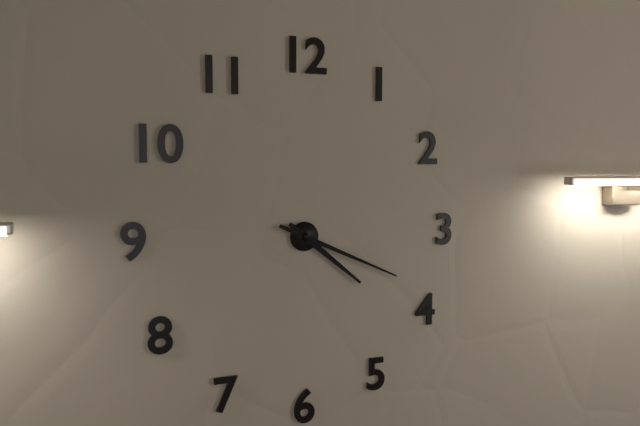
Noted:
**4:19**
